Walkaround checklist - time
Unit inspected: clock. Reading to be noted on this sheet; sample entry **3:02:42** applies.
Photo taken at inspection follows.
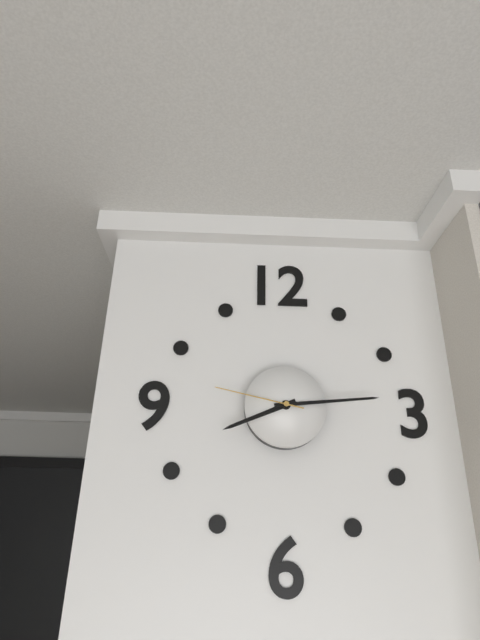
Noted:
**8:14:47**
